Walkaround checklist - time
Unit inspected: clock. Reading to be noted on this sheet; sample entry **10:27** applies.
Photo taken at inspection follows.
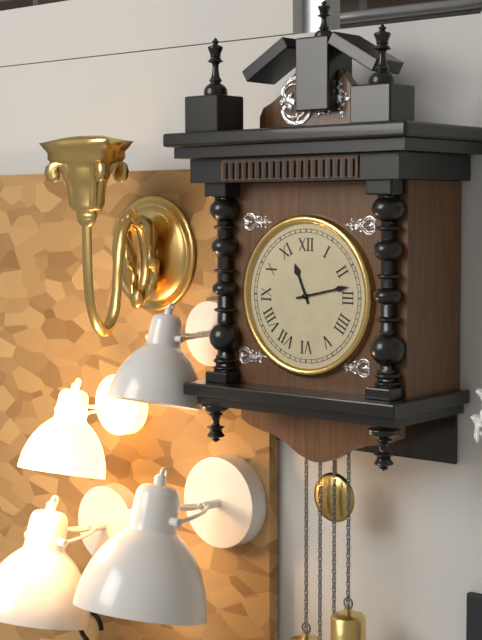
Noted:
**11:13**
